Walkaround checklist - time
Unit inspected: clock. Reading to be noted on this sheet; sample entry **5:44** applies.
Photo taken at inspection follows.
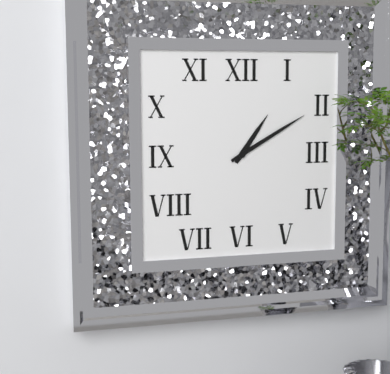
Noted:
**1:10**
